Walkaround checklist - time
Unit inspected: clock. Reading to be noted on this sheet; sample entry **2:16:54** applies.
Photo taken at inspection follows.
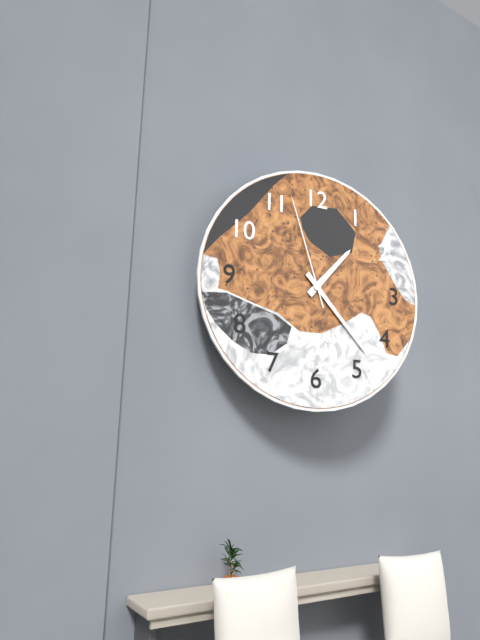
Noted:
**1:23:57**
